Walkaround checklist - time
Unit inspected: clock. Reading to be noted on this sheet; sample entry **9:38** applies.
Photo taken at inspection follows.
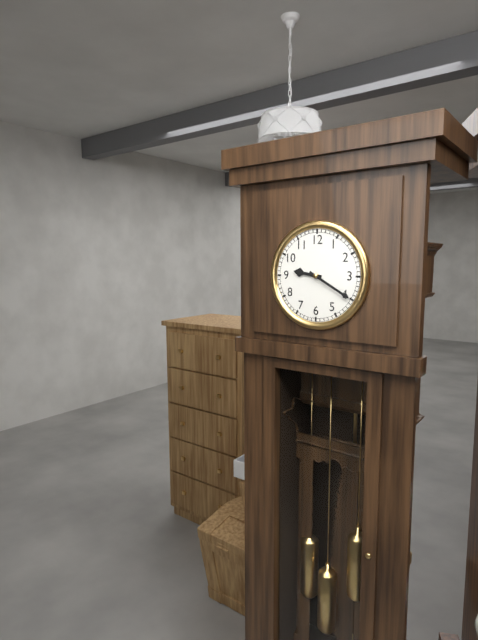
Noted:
**9:20**
